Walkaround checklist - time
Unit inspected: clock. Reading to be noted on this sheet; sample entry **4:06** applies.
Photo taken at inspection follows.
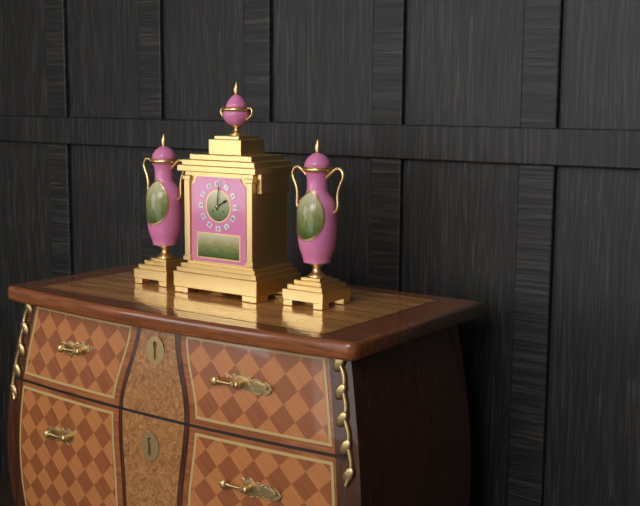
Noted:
**2:01**
